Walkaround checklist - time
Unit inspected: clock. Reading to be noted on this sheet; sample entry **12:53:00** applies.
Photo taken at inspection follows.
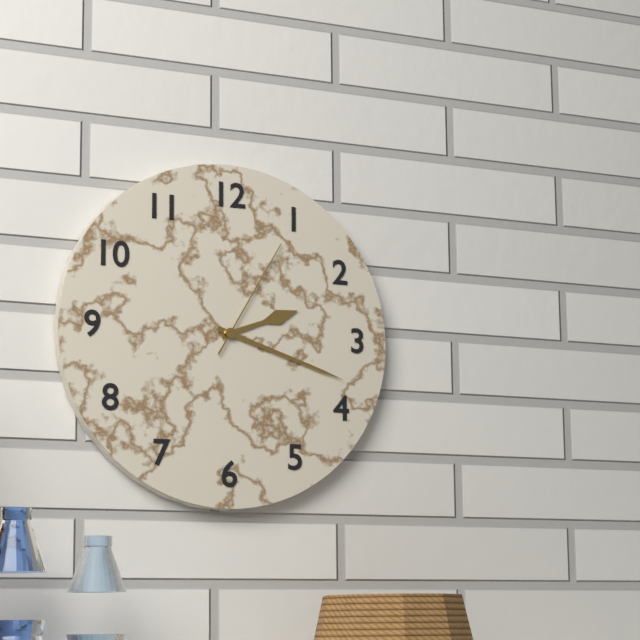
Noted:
**2:18:05**
